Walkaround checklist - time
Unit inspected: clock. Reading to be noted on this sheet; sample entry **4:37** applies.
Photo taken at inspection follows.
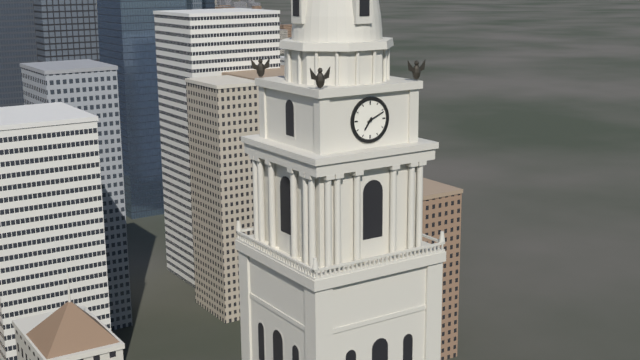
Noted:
**7:11**
